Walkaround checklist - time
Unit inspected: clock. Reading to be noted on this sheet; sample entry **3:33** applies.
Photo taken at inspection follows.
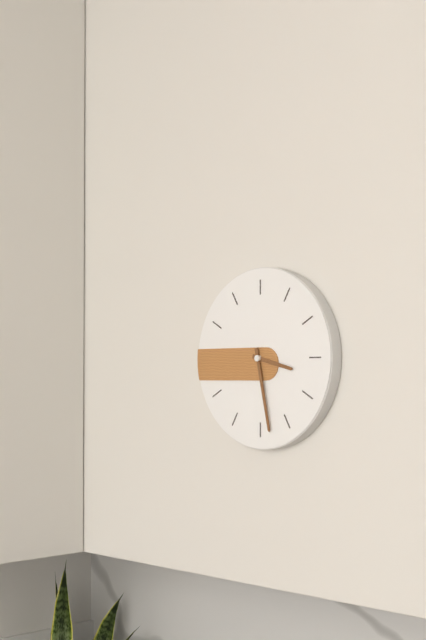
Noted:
**3:28**
